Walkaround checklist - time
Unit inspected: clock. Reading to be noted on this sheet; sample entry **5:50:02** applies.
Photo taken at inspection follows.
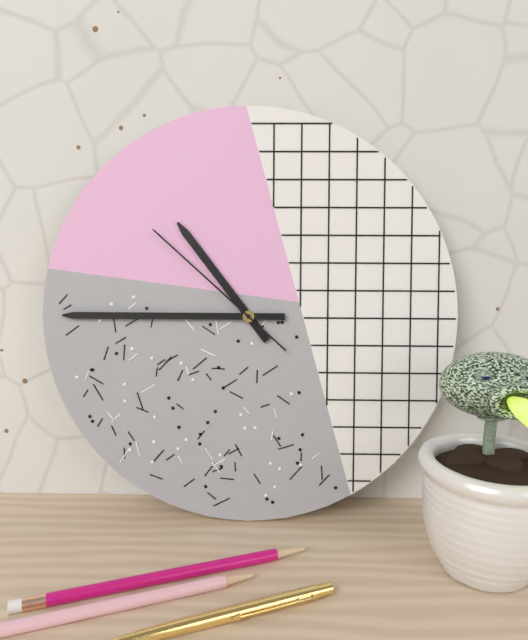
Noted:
**10:45:52**
